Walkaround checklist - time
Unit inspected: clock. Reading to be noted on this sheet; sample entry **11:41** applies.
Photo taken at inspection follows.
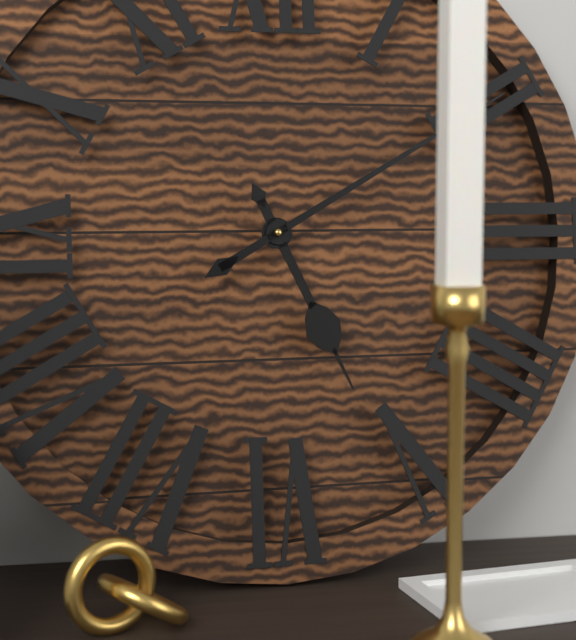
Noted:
**5:10**
